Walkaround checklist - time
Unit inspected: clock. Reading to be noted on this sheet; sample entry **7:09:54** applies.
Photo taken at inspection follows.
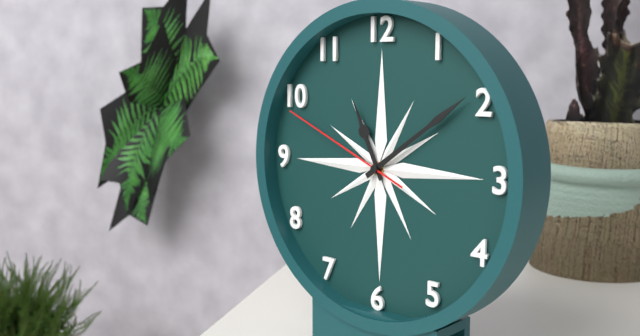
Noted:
**11:09:49**
